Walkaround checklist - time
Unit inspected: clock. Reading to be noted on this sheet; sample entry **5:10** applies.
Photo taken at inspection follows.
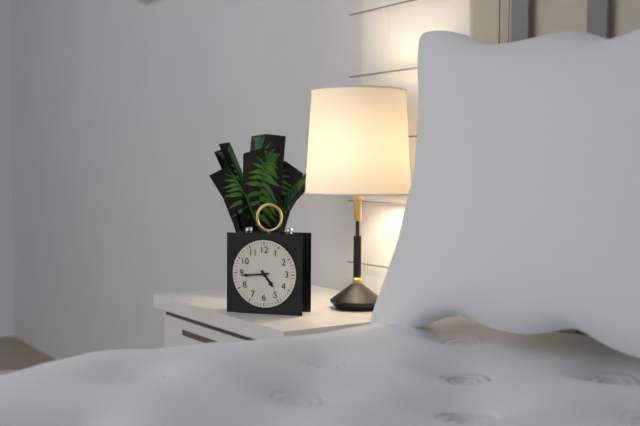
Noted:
**4:44**
